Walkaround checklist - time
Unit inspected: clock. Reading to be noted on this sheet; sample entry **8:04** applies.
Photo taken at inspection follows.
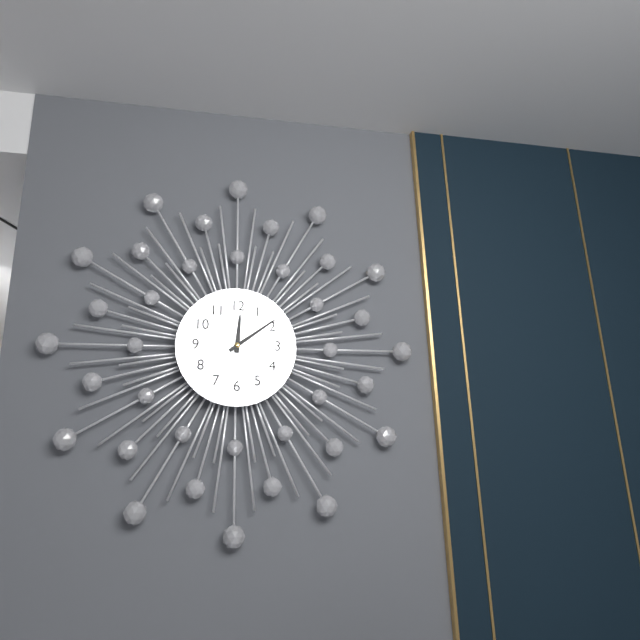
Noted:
**12:09**
